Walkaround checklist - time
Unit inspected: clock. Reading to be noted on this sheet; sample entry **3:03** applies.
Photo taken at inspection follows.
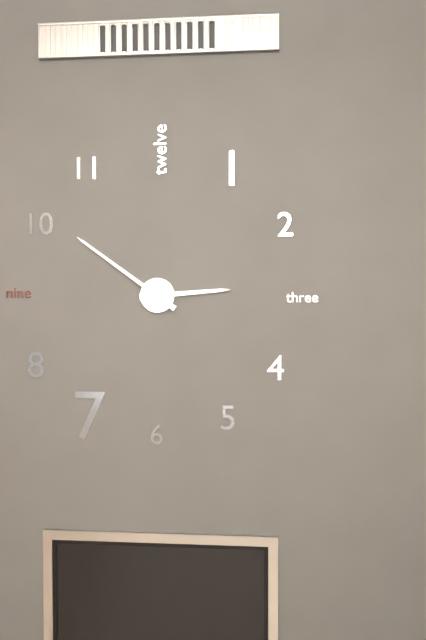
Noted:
**2:51**
